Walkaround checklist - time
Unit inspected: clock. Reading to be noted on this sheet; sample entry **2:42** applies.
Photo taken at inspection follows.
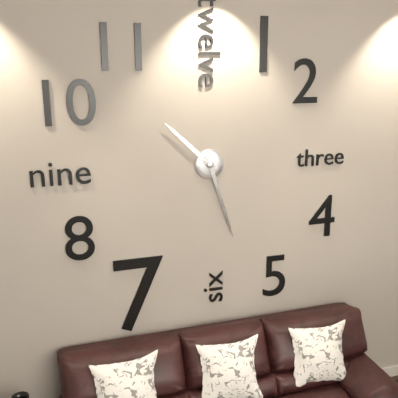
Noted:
**10:27**
